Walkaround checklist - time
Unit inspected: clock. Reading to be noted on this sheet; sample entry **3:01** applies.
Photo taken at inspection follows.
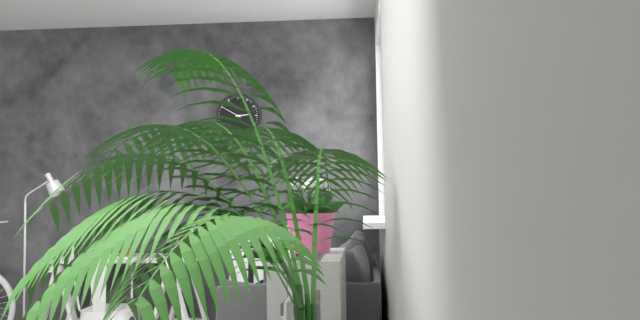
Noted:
**2:50**
